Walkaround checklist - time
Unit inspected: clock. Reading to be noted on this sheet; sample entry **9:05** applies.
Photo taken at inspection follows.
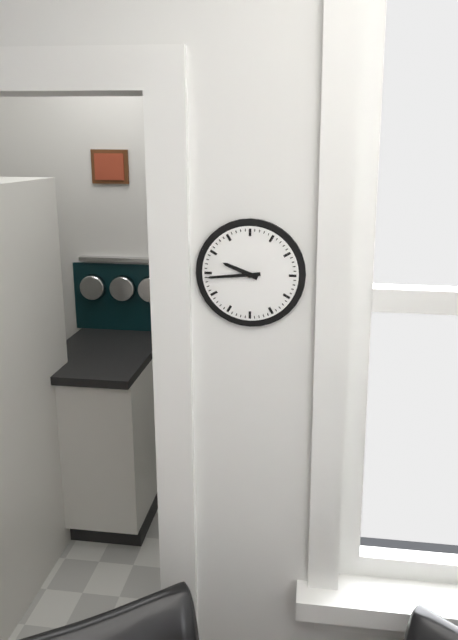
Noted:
**9:44**
